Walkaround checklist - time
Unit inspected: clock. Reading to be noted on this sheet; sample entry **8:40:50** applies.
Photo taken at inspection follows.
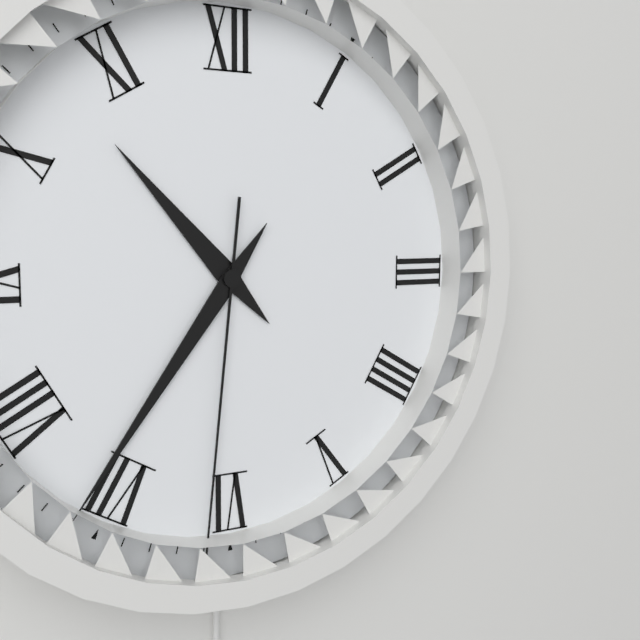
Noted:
**10:36:31**
